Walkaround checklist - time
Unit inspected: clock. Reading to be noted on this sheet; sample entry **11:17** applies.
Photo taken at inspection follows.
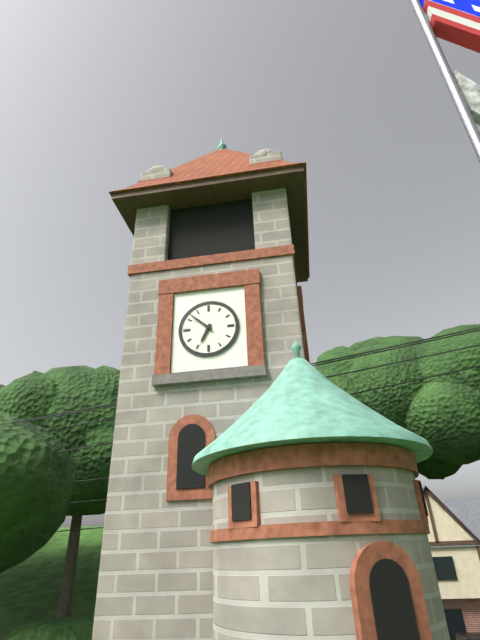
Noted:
**6:52**
